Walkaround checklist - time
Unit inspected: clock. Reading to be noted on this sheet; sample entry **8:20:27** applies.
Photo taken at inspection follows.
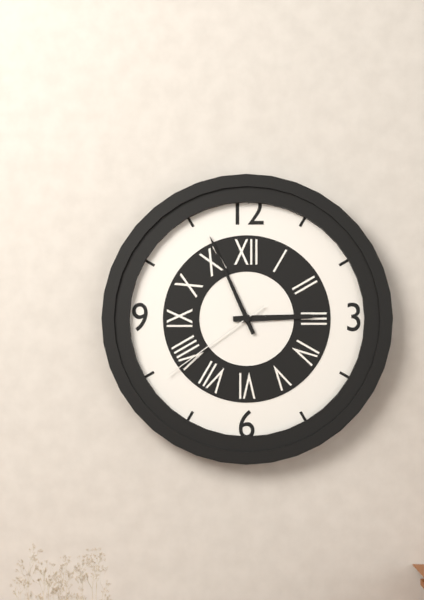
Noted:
**2:56:39**
